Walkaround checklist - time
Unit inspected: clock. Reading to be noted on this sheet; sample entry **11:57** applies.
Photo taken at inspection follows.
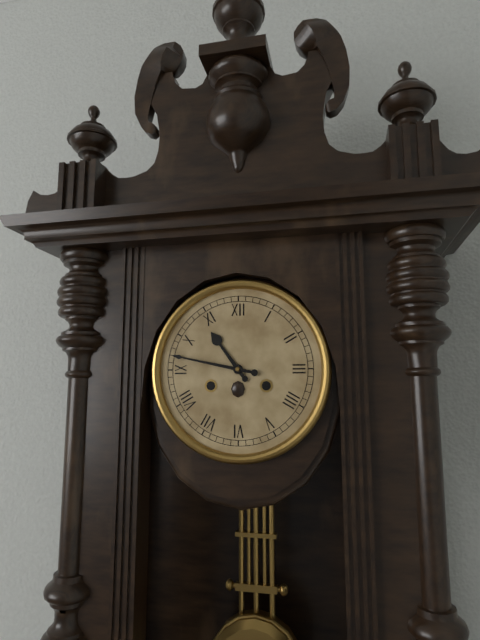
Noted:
**10:47**
